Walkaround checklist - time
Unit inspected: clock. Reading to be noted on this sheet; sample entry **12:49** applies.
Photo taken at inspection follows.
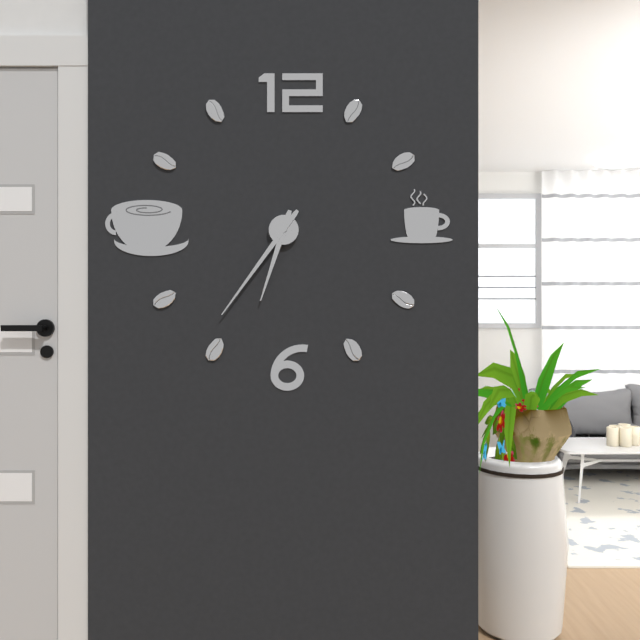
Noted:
**6:36**
